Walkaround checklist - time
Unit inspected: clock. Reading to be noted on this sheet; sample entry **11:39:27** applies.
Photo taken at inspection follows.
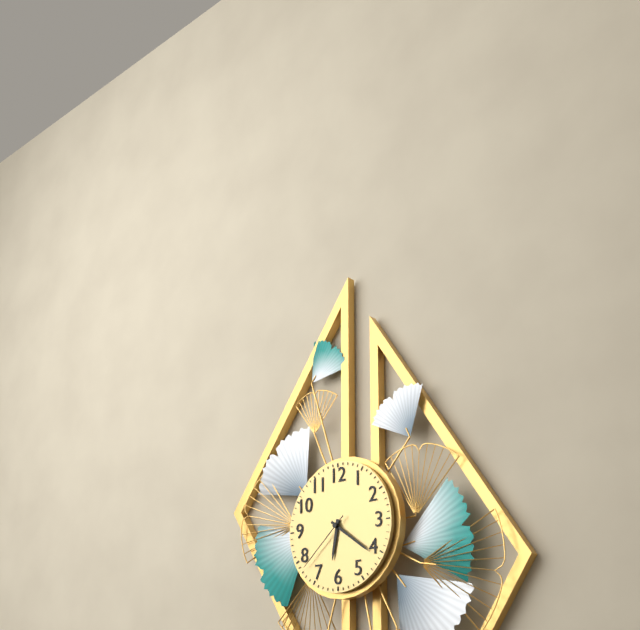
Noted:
**6:21:38**
